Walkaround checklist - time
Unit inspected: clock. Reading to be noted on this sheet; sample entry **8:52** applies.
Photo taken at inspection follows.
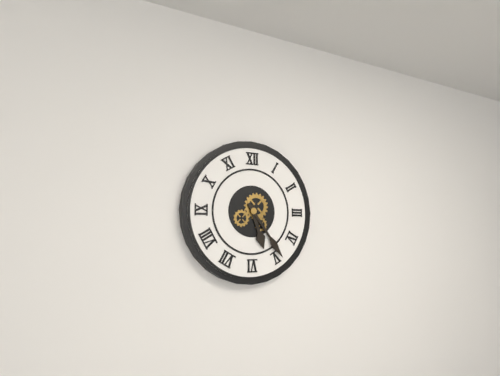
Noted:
**5:24**
